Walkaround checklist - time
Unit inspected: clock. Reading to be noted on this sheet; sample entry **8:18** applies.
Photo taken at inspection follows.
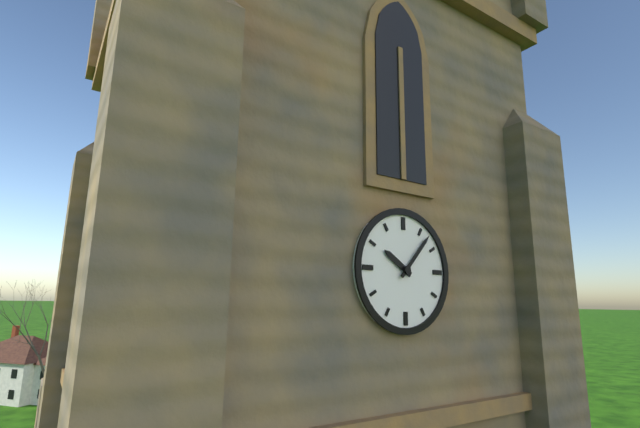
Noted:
**10:07**
